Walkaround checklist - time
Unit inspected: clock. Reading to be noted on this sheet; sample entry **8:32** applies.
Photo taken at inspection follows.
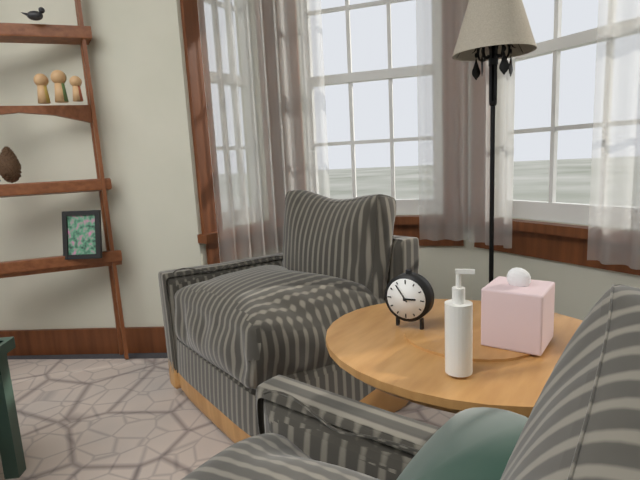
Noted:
**2:54**
